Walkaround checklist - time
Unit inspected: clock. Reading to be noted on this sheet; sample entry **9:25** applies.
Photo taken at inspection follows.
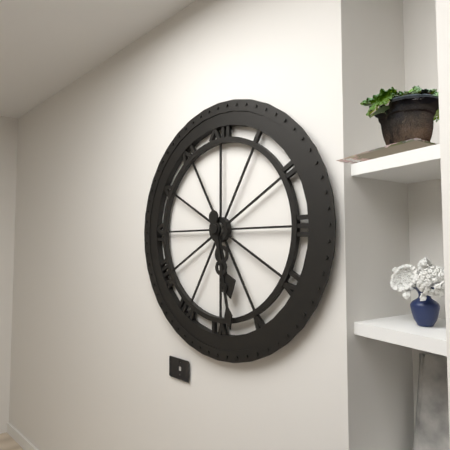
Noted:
**5:28**
